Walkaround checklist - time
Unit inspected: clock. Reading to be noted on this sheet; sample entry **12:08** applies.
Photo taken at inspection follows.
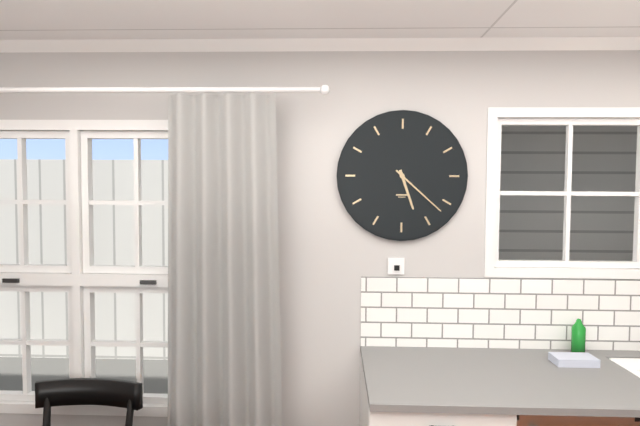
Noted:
**5:22**
